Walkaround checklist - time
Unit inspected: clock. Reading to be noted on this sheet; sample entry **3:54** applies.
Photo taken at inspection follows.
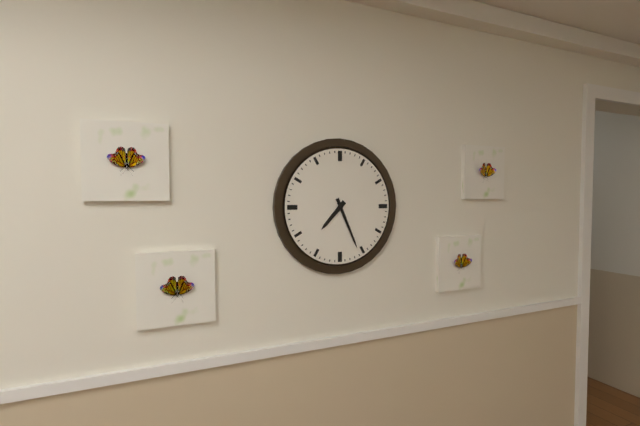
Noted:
**7:26**
